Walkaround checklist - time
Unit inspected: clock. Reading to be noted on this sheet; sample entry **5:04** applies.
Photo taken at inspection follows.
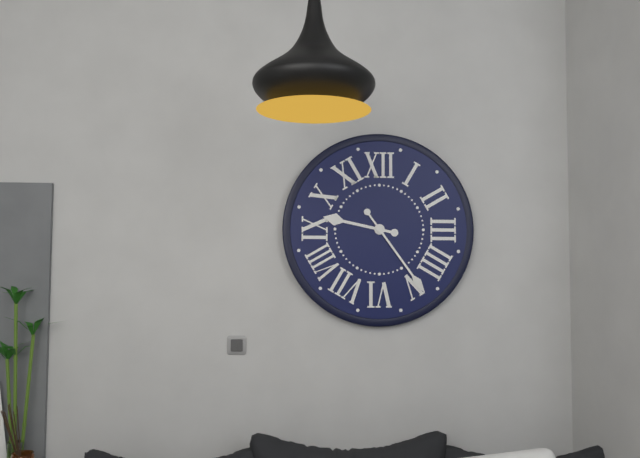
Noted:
**9:24**
